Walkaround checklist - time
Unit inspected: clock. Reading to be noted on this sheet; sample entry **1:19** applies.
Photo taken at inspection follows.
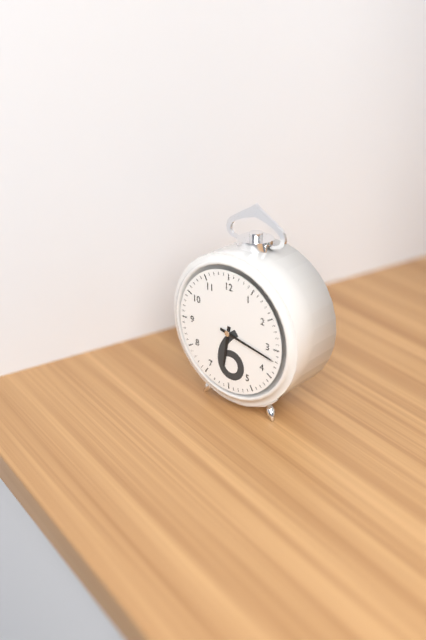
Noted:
**6:17**
